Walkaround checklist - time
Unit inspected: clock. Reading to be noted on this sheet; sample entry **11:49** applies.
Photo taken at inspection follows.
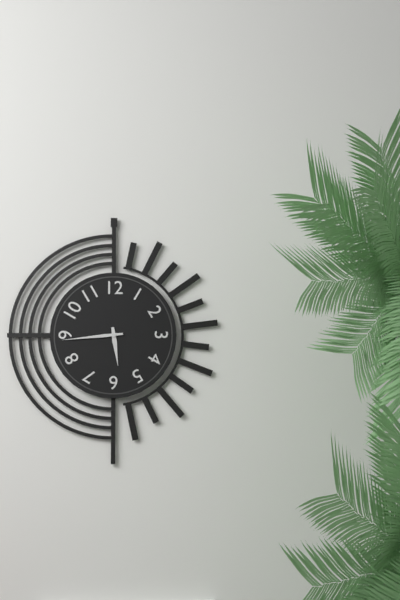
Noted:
**5:44**
